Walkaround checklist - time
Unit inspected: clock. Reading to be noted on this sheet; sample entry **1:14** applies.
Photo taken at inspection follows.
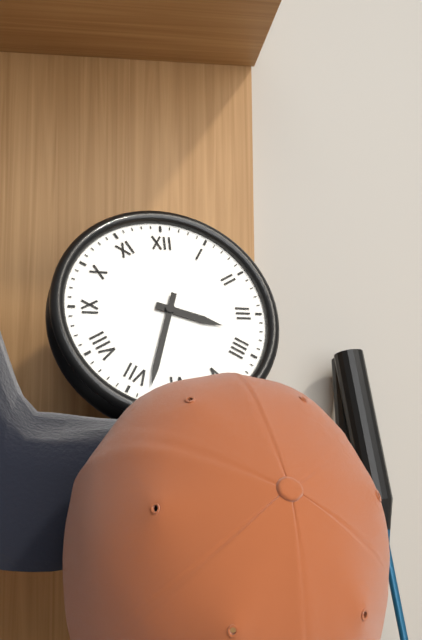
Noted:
**3:33**
